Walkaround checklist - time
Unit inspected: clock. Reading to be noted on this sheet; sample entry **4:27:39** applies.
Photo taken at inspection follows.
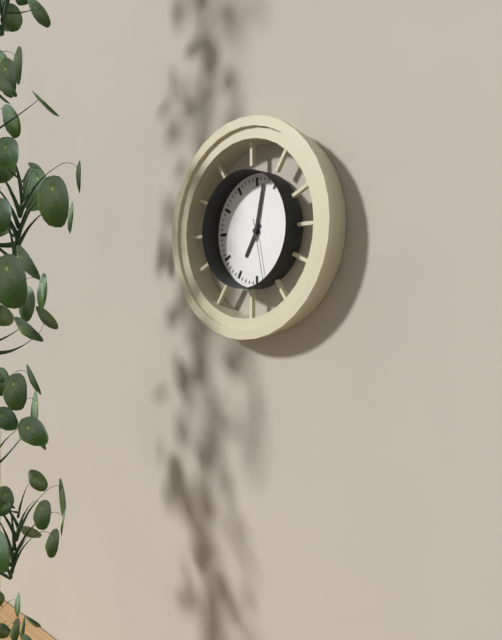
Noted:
**7:02:28**
